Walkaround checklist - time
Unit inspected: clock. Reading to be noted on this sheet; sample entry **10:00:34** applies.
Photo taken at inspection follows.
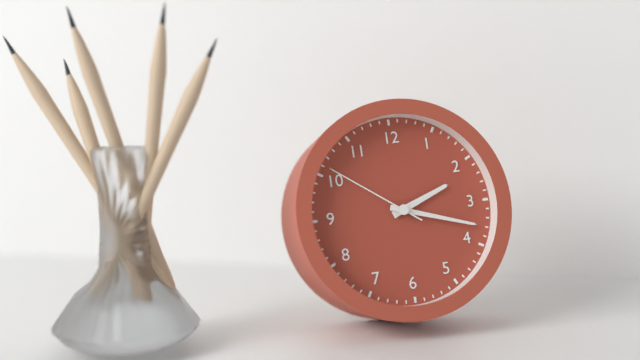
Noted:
**2:18:51**
